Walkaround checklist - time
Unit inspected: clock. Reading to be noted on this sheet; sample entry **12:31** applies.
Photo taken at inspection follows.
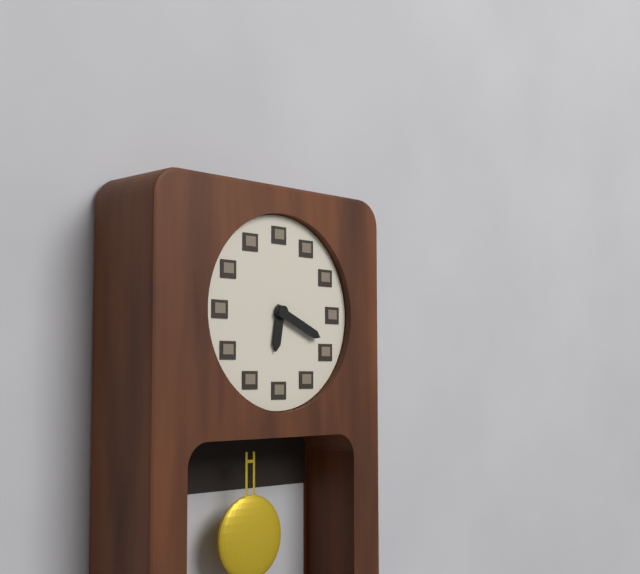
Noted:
**6:19**
